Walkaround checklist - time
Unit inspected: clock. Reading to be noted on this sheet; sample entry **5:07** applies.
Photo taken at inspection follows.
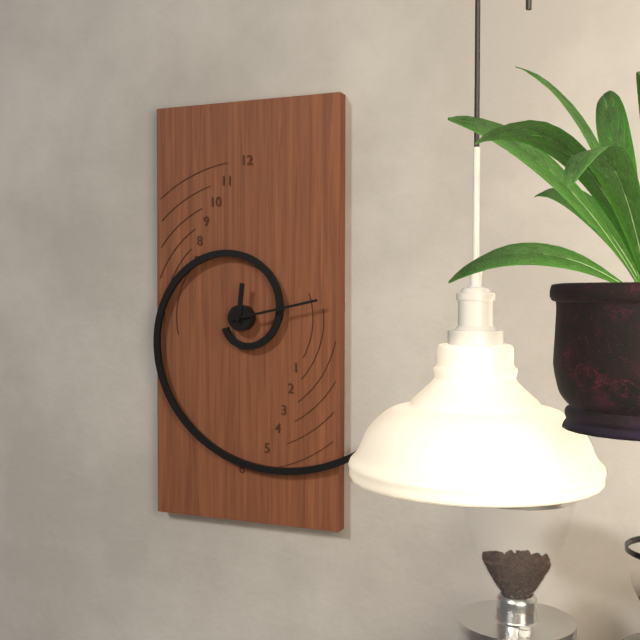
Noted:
**12:13**
